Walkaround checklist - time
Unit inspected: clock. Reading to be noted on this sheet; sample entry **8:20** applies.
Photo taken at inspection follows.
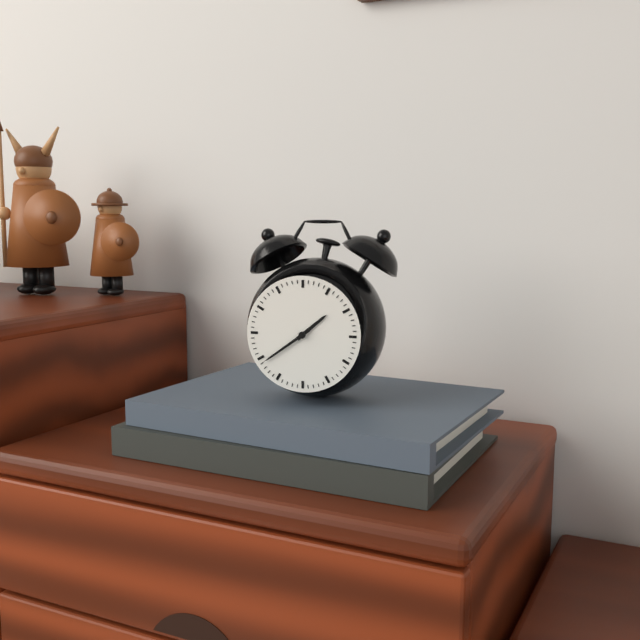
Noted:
**1:39**
